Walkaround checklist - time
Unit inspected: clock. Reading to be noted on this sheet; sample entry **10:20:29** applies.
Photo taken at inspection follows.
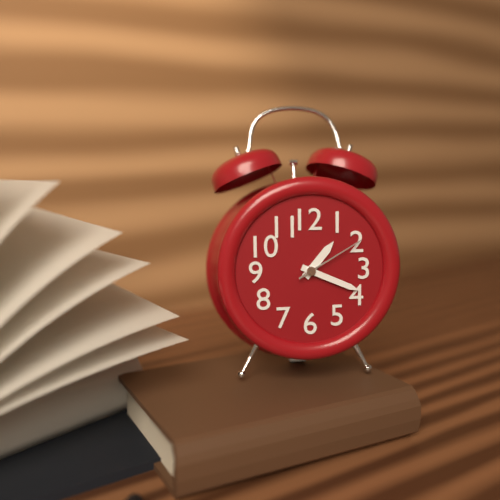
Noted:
**1:19:10**
